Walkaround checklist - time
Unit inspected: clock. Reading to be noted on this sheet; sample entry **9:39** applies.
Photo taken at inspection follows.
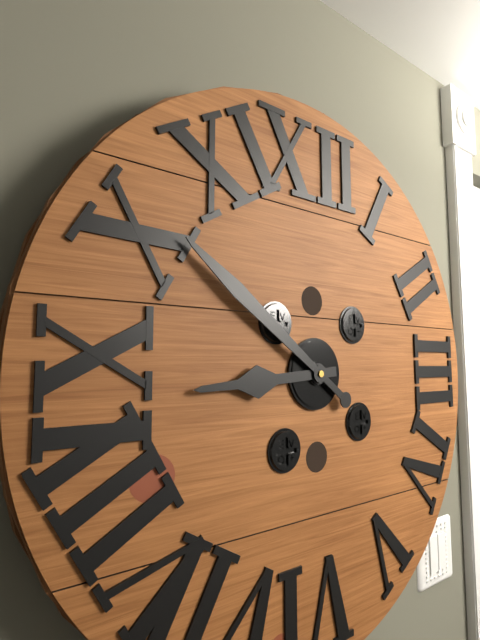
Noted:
**8:51**
